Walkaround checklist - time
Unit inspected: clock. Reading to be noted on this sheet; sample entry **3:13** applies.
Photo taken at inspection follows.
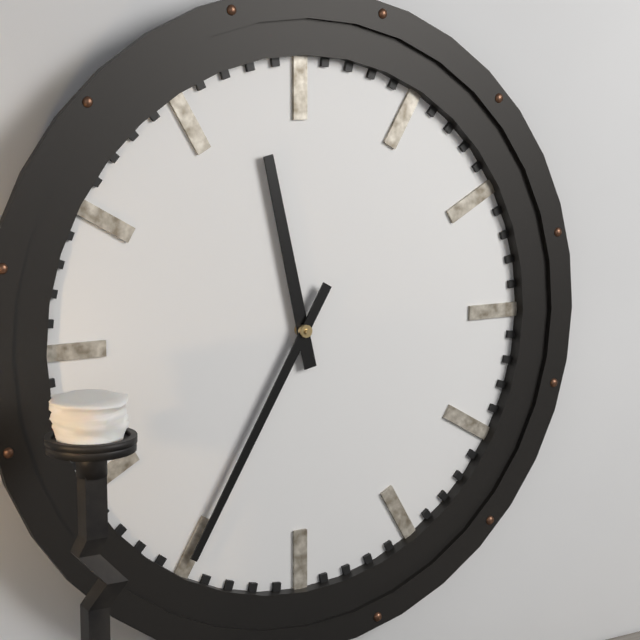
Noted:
**11:35**
